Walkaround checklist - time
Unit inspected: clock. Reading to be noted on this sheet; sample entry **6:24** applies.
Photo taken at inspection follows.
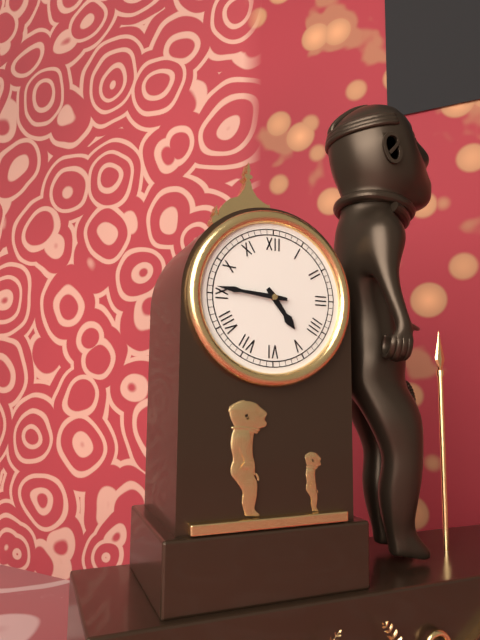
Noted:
**4:46**
